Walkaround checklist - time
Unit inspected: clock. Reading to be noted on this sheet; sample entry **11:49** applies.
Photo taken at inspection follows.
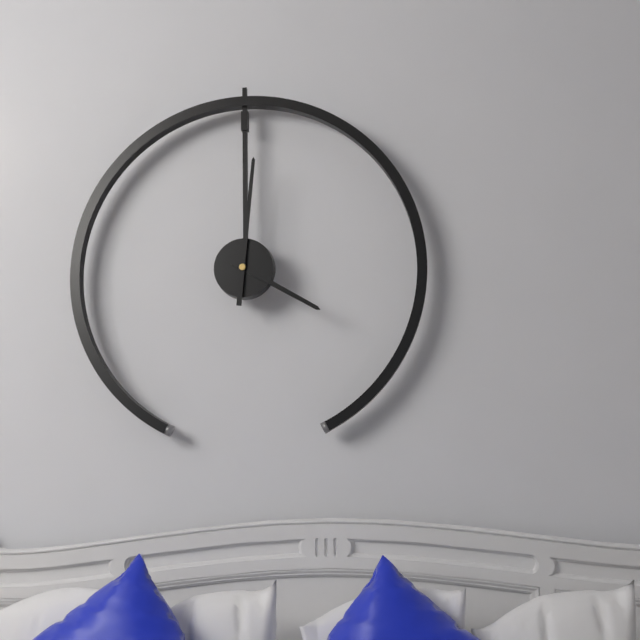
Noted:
**4:01**
